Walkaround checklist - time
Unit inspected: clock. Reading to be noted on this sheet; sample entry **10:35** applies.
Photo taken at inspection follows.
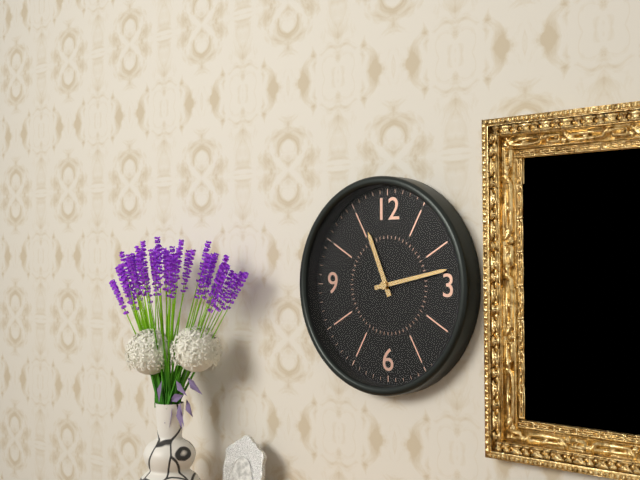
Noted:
**11:13**
